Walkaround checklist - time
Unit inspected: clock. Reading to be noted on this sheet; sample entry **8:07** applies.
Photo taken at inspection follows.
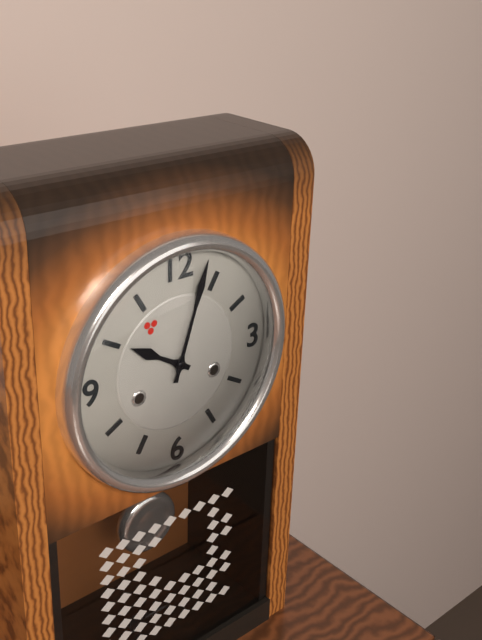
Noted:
**10:03**
